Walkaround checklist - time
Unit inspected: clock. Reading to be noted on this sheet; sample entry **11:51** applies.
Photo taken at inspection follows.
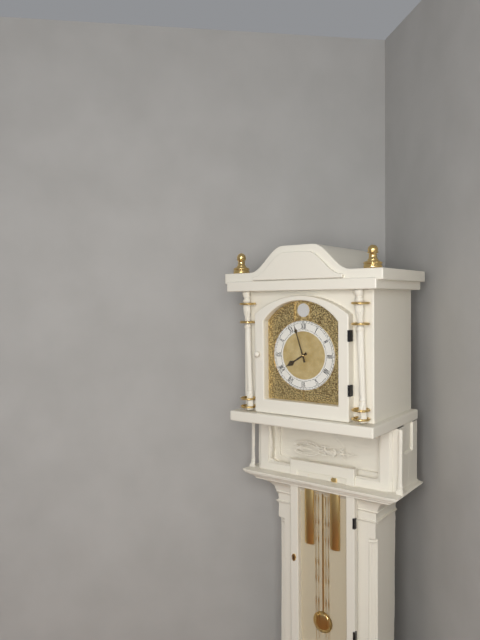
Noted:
**7:57**
